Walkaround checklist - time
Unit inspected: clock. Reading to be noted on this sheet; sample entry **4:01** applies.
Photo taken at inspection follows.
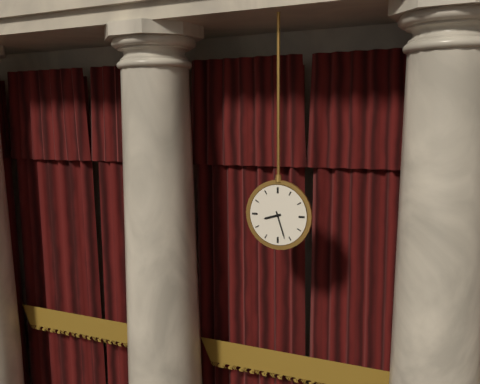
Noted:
**8:27**
